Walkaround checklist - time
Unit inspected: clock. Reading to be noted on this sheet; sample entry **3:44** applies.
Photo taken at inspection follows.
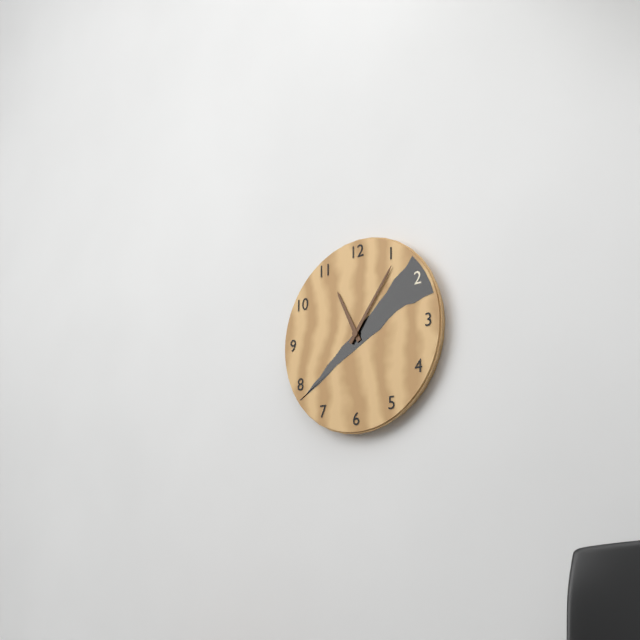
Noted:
**11:06**
